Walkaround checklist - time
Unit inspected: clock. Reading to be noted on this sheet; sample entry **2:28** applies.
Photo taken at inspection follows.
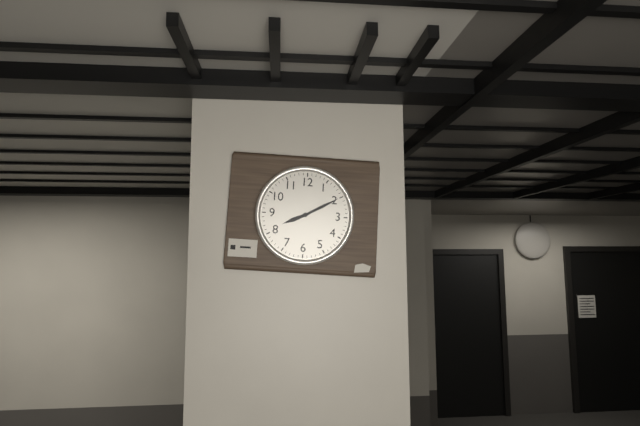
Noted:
**8:10**
